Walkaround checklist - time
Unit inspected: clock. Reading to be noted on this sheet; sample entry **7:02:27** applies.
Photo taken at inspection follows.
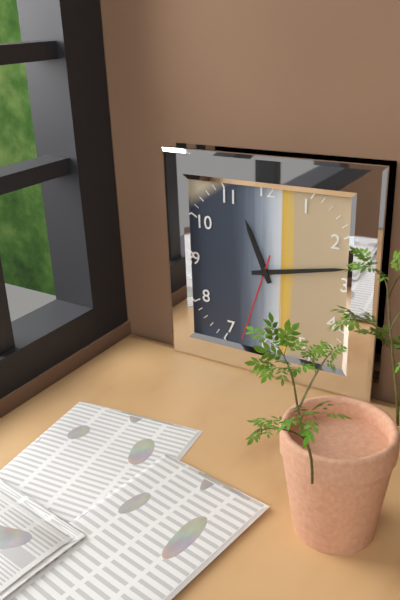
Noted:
**11:13:33**
